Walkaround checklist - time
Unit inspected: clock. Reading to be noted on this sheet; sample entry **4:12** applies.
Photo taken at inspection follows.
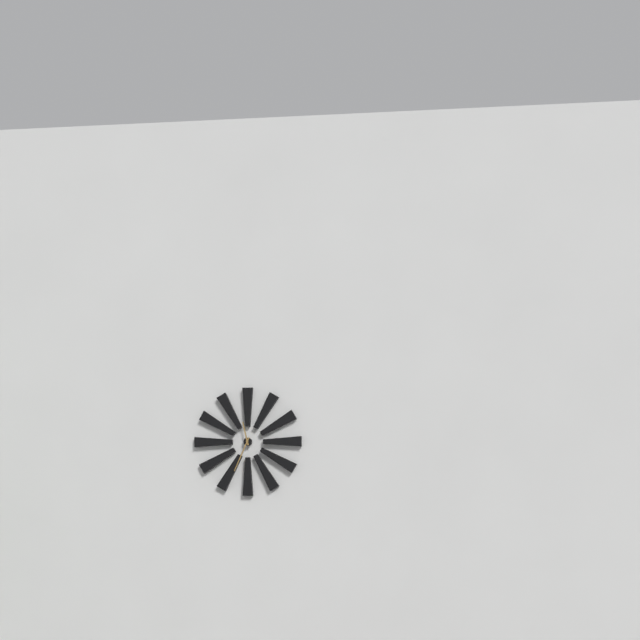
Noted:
**11:34**
